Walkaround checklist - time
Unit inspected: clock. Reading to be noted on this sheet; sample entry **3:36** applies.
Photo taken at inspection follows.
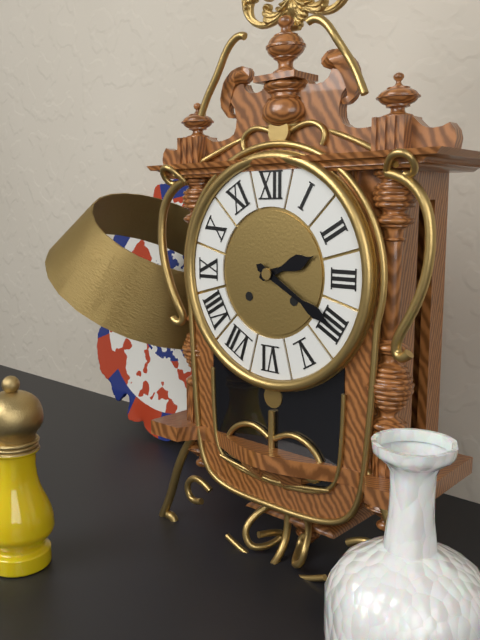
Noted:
**2:20**
